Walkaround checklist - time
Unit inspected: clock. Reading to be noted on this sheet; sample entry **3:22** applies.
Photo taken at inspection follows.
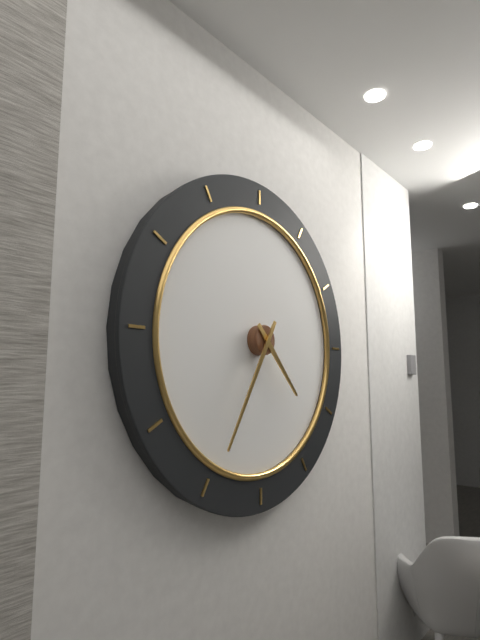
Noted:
**4:35**
